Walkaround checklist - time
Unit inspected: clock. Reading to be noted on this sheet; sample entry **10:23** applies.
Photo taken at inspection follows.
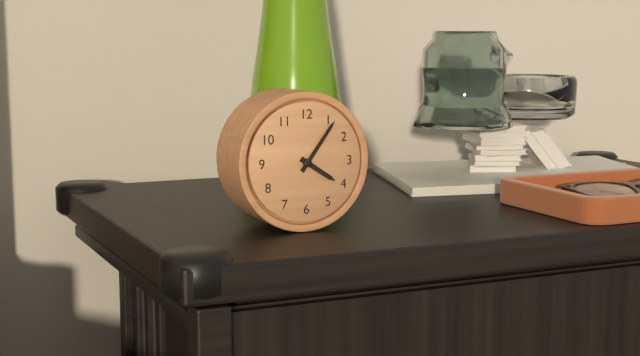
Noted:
**4:06**
